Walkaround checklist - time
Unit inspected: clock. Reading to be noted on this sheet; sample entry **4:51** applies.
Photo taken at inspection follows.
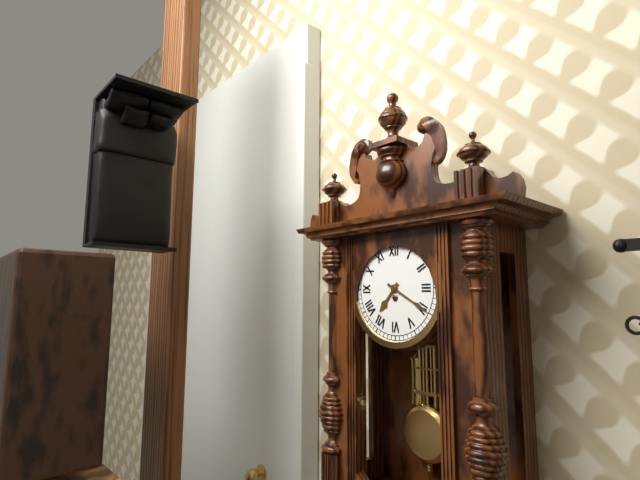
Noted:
**7:20**
